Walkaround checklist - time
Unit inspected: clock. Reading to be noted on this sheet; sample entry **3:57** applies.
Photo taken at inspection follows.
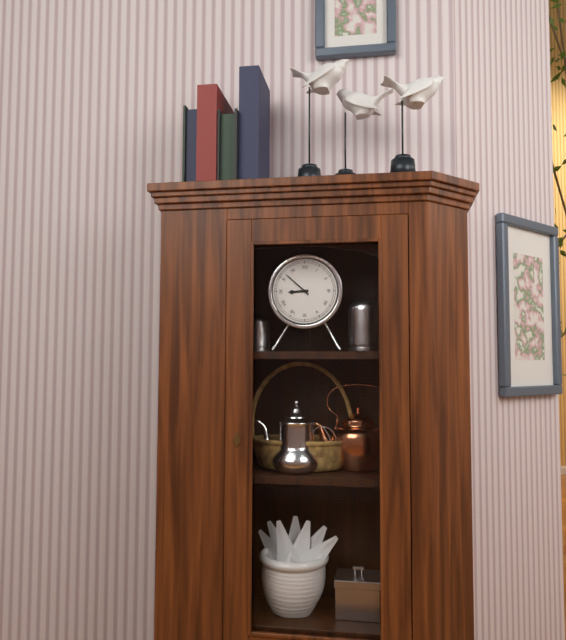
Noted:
**8:52**
